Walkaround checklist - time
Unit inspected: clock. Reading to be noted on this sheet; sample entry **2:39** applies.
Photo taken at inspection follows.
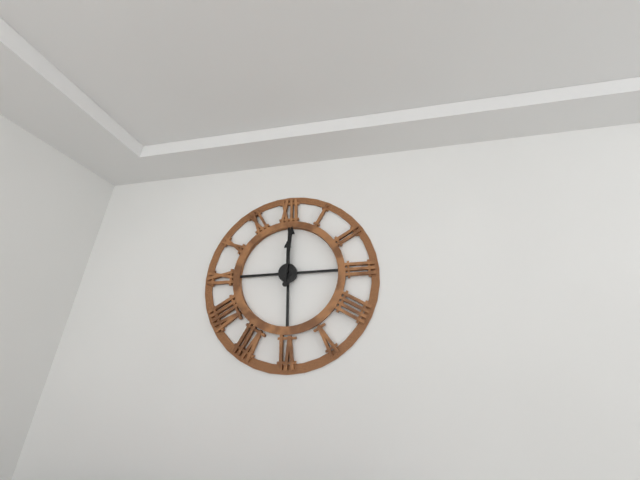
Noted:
**12:01**
